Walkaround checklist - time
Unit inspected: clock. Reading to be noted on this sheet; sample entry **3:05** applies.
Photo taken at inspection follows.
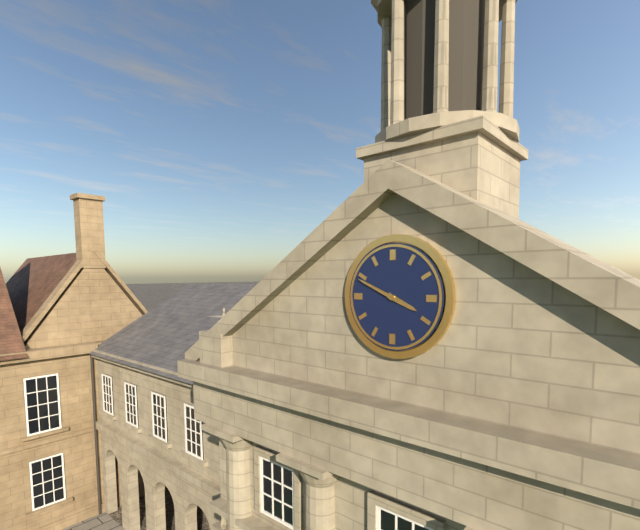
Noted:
**3:49**
